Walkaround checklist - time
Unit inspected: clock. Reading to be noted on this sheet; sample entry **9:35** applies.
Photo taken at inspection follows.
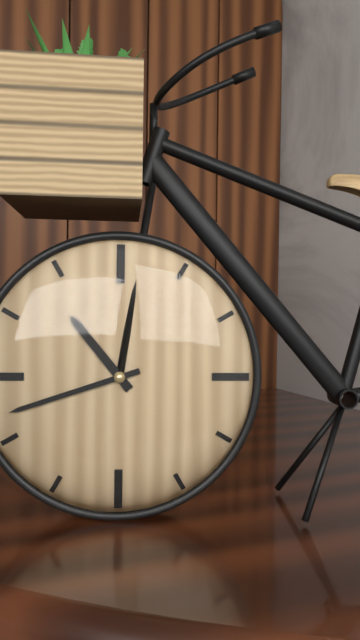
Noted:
**10:42**
